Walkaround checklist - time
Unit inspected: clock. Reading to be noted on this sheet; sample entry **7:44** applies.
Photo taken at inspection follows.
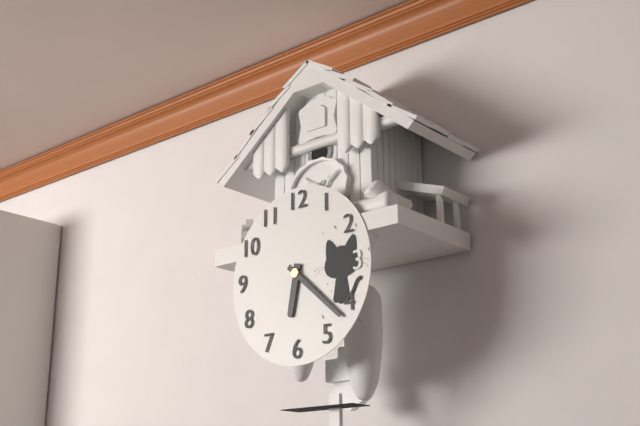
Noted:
**6:22**
